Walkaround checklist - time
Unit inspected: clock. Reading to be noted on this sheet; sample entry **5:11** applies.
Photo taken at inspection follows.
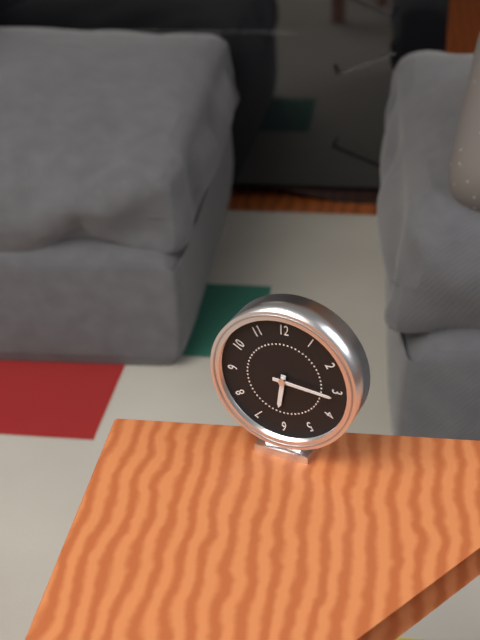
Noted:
**6:16**
